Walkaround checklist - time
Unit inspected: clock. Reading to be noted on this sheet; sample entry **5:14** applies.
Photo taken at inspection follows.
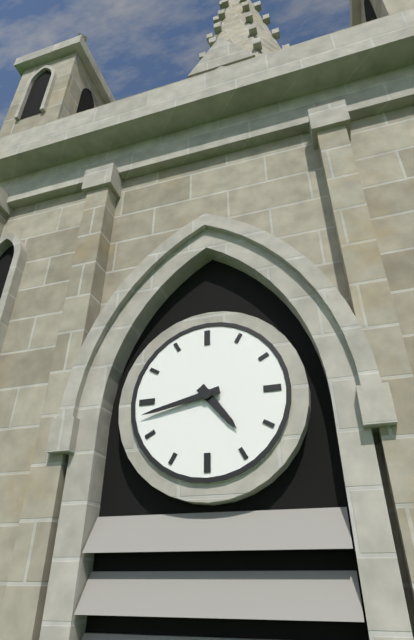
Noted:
**4:43**
